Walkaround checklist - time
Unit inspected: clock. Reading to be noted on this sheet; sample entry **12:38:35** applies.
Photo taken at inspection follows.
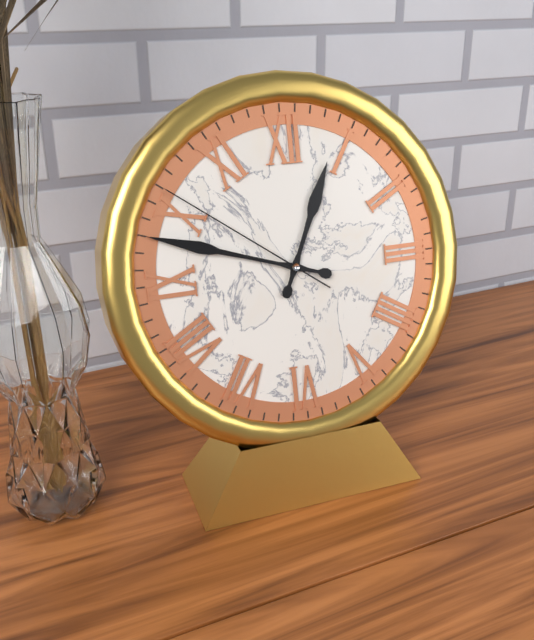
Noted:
**12:48:51**
